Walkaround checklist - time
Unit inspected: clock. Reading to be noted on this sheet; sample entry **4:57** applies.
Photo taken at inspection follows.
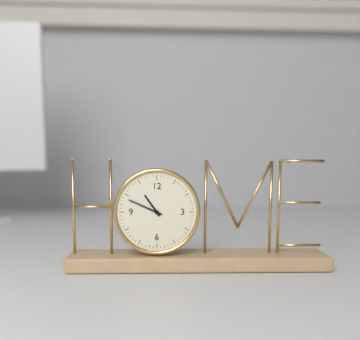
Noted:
**10:49**
